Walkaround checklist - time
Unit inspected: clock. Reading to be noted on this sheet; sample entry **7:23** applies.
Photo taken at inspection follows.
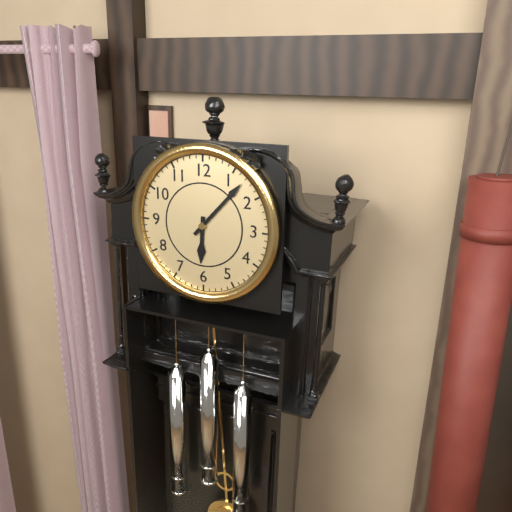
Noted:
**6:07**
